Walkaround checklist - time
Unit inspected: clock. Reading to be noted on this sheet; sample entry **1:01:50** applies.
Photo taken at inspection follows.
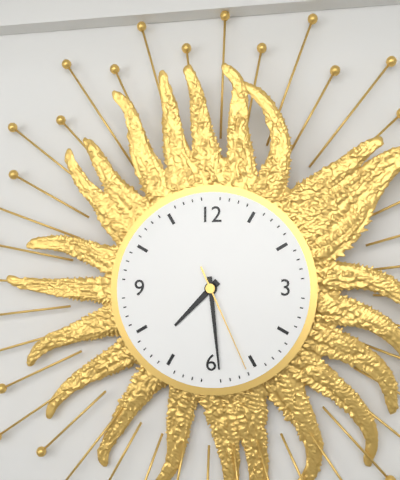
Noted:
**7:29:26**
